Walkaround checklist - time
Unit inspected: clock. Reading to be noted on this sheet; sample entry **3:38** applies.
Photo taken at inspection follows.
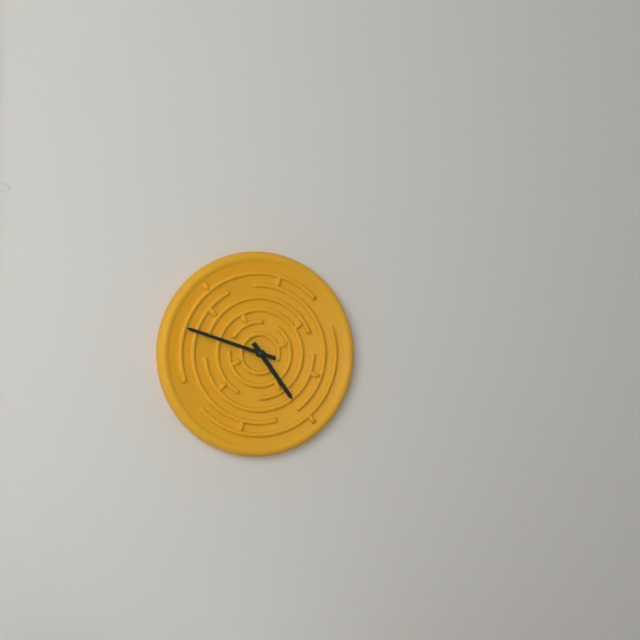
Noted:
**4:48**
